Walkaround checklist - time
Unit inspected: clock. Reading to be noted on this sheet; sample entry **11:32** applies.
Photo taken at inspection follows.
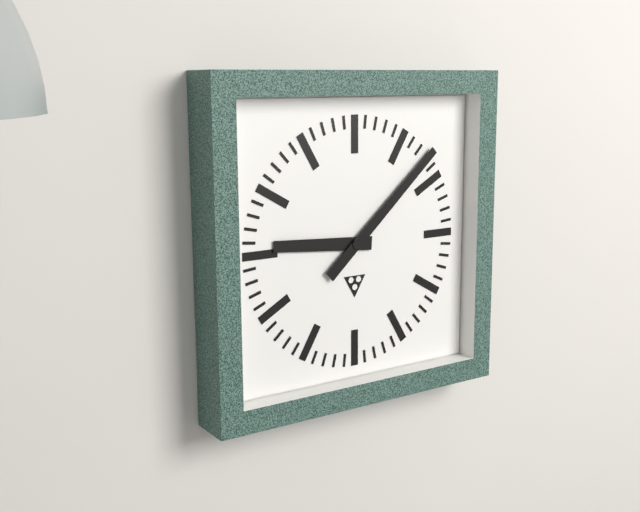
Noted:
**9:08**
